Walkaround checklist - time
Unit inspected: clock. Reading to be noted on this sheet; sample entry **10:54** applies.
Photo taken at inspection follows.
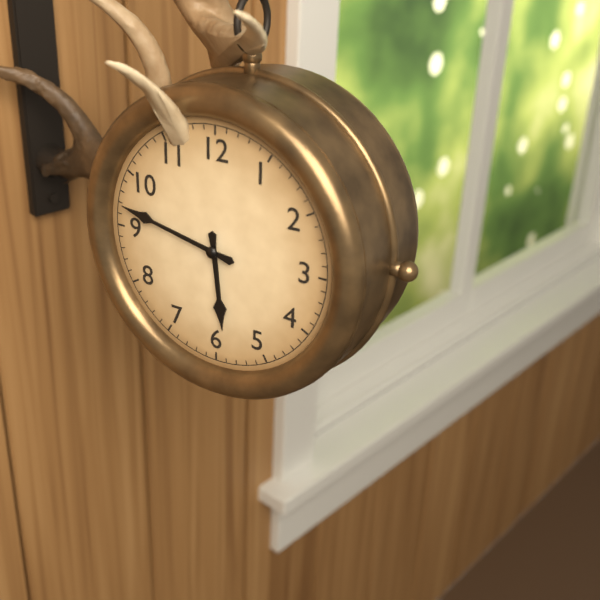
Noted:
**5:47**
